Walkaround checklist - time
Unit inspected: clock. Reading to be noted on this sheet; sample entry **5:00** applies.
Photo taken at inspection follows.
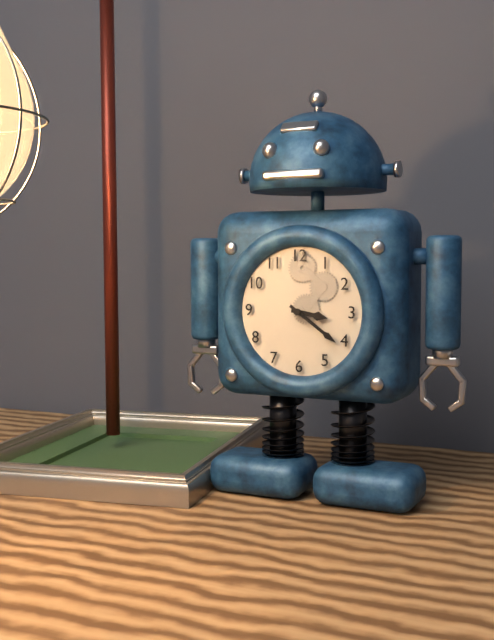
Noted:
**3:21**
